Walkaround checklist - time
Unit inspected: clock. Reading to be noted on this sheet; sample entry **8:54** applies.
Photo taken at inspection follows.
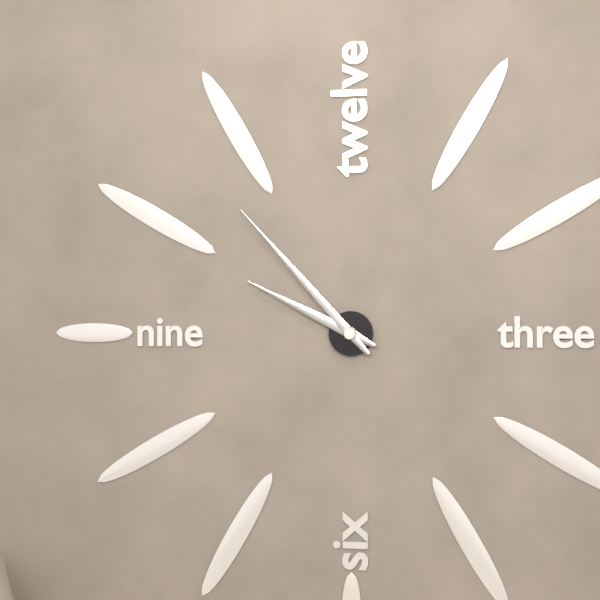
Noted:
**9:53**
